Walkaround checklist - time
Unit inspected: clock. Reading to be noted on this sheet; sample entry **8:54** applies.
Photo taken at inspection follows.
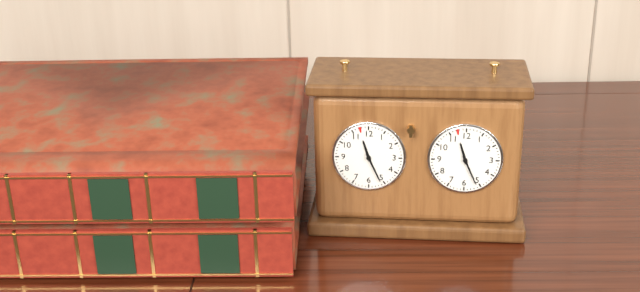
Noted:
**11:26**
